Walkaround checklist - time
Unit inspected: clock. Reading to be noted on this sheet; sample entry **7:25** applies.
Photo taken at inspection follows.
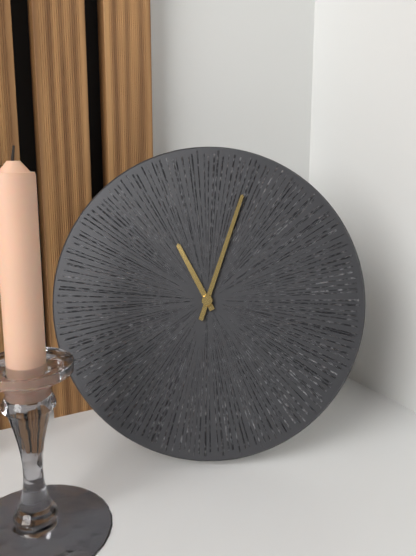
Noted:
**11:03**
